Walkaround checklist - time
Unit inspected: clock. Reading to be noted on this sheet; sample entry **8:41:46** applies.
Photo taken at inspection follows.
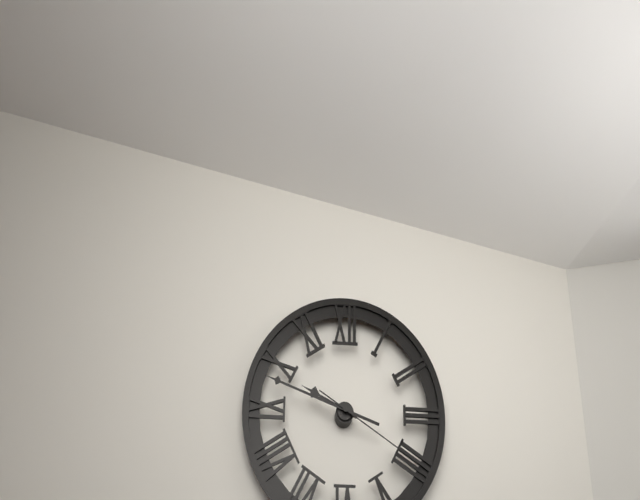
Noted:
**9:48:20**
